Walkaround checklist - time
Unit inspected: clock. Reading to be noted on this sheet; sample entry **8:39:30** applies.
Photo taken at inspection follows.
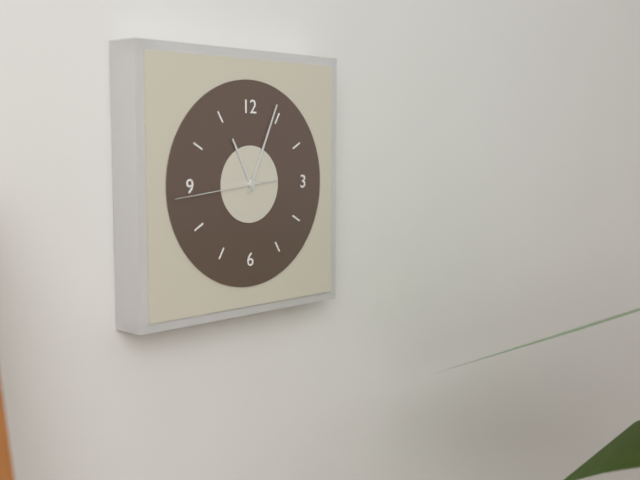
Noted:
**11:04:44**
